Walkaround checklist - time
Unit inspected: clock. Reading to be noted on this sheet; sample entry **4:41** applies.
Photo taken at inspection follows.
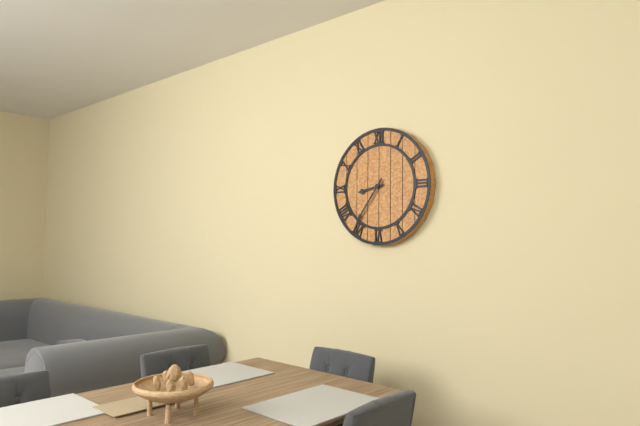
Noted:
**8:36**
